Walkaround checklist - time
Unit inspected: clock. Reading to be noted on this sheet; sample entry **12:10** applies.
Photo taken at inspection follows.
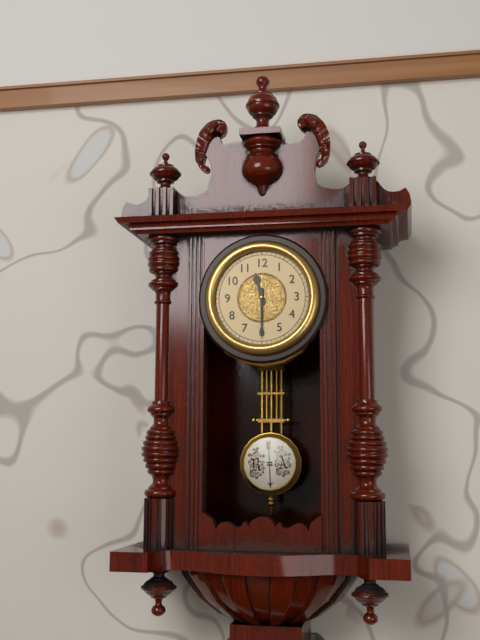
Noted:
**11:30**
